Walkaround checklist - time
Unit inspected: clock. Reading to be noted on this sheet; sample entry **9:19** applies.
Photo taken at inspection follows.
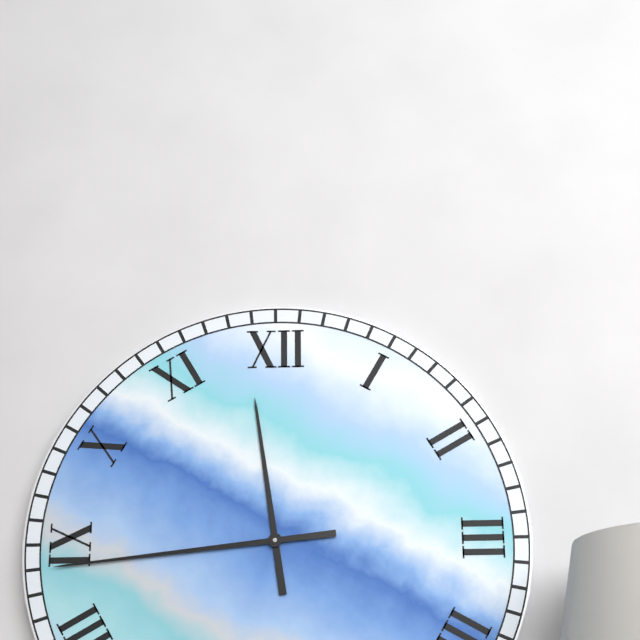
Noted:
**11:44**
